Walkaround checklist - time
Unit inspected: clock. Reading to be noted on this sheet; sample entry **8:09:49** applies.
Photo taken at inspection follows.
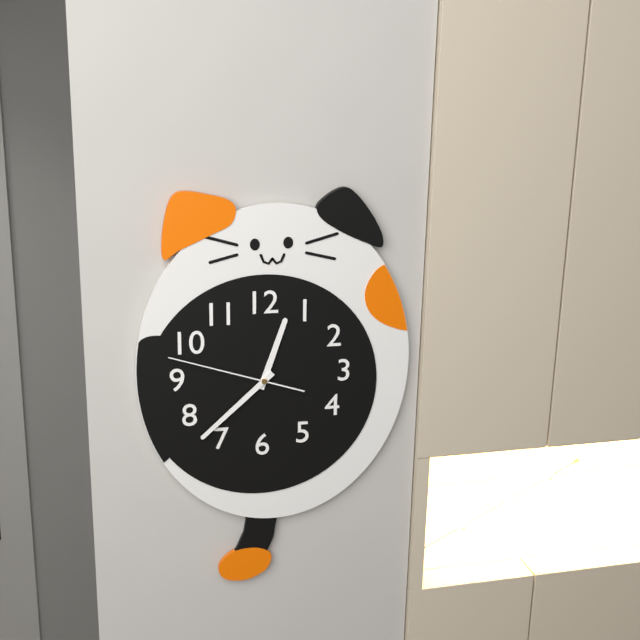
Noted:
**12:38:48**
